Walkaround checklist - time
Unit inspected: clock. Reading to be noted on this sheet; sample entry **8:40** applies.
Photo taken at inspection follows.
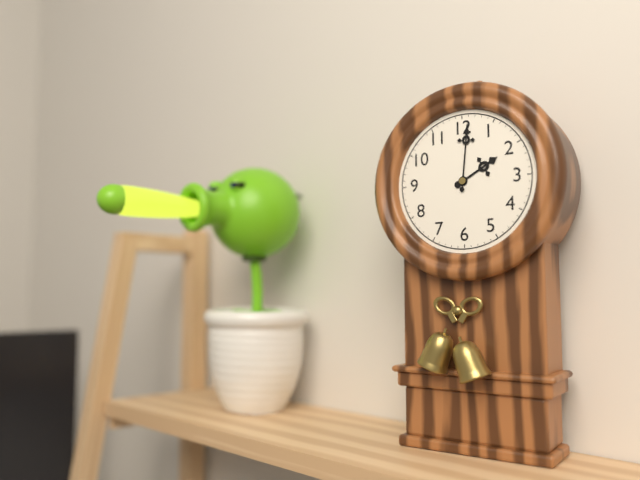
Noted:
**2:01**
